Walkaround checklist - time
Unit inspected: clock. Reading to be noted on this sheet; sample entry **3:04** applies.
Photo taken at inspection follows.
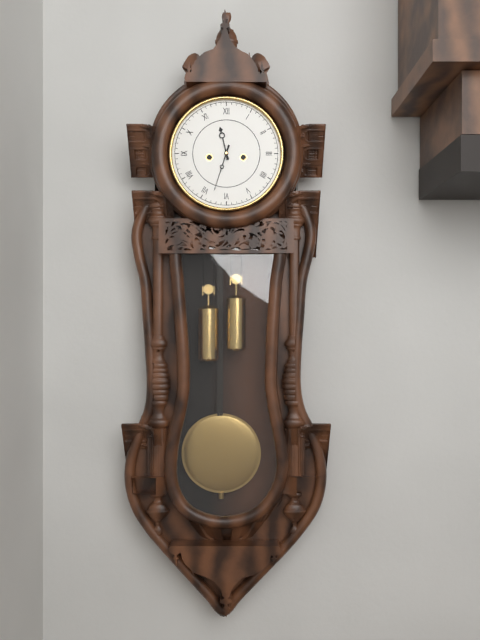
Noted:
**11:33**
